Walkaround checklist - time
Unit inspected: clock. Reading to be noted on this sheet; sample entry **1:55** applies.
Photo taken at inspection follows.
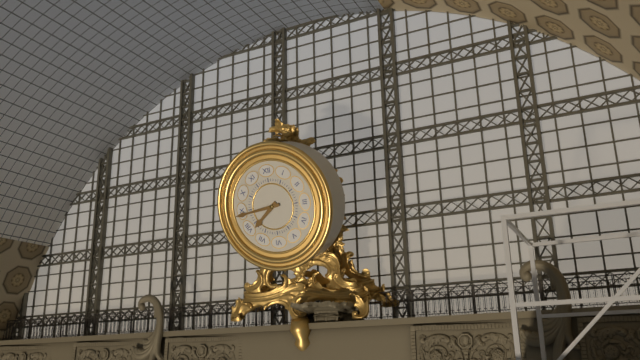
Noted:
**7:44**
